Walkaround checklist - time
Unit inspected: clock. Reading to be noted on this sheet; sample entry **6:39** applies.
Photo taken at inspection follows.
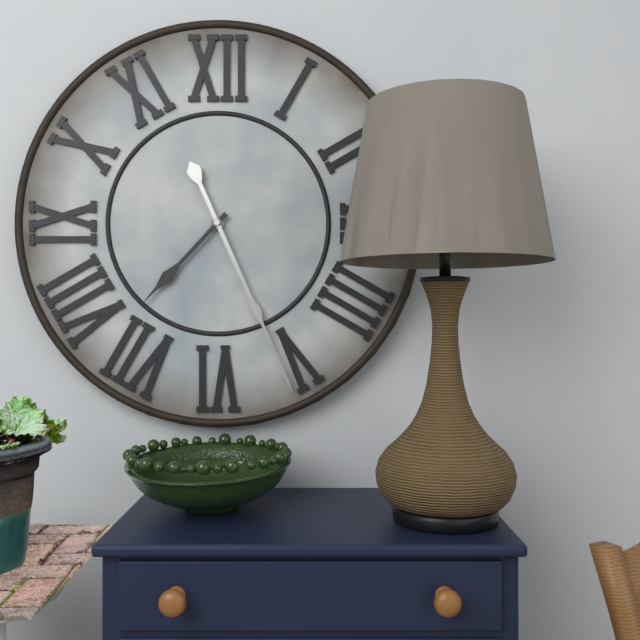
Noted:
**7:26**
